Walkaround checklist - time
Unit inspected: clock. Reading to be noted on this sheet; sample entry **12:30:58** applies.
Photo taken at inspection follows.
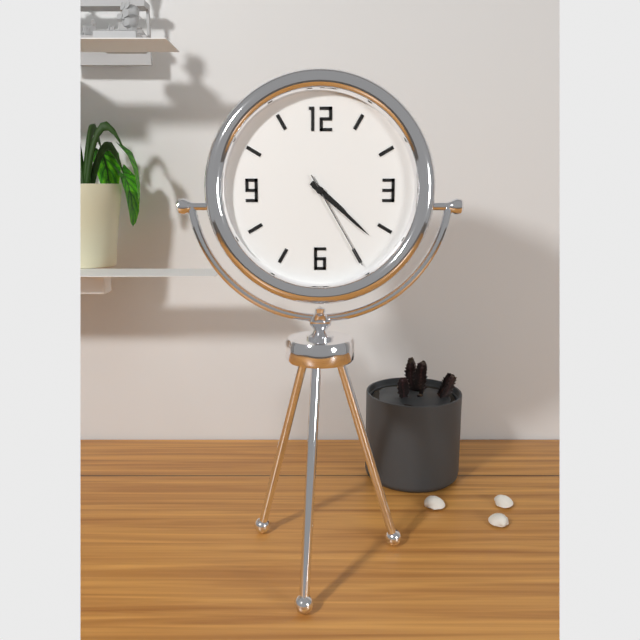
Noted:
**4:22:25**
